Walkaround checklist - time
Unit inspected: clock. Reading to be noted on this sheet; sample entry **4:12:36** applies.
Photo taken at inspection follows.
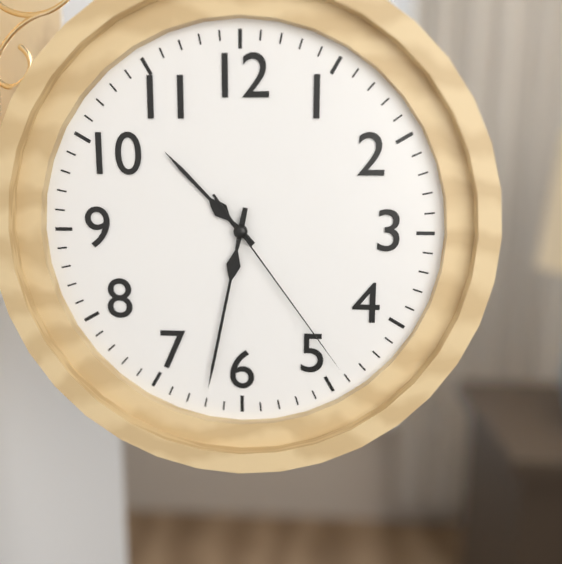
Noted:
**10:32:24**
